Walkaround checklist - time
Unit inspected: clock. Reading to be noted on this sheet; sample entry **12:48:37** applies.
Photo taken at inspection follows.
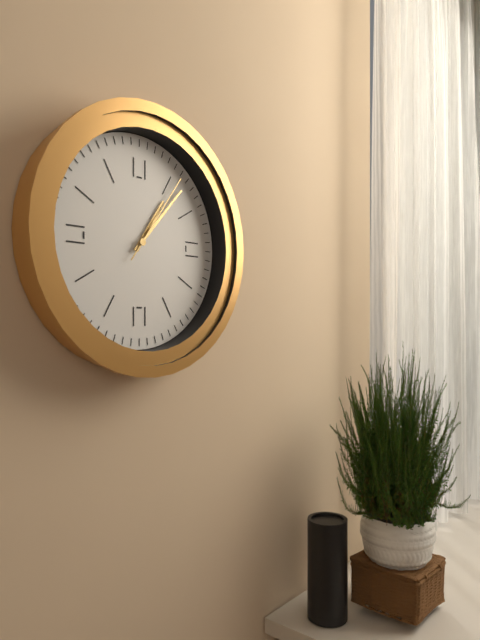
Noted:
**1:07:06**
